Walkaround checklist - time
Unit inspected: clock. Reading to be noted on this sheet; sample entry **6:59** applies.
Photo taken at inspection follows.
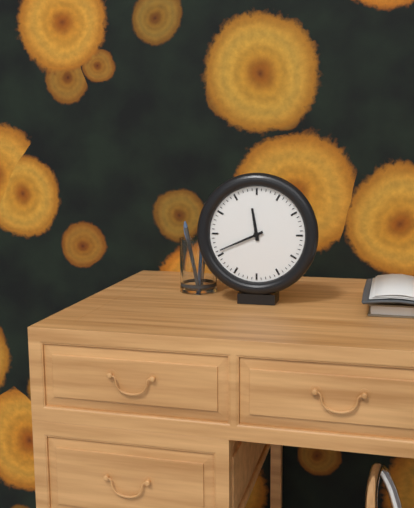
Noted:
**11:41**
